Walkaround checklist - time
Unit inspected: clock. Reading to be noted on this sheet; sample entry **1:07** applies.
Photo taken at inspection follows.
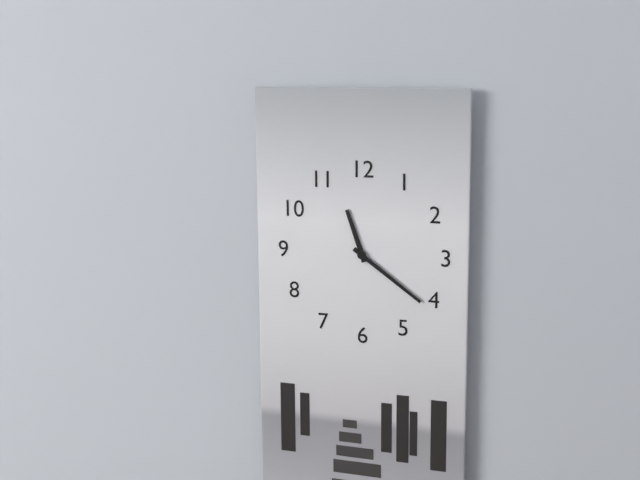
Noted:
**11:21**
